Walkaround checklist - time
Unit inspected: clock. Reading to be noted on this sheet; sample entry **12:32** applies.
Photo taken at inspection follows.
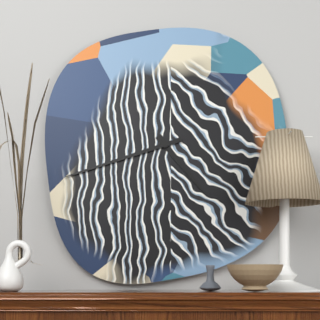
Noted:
**4:42**
